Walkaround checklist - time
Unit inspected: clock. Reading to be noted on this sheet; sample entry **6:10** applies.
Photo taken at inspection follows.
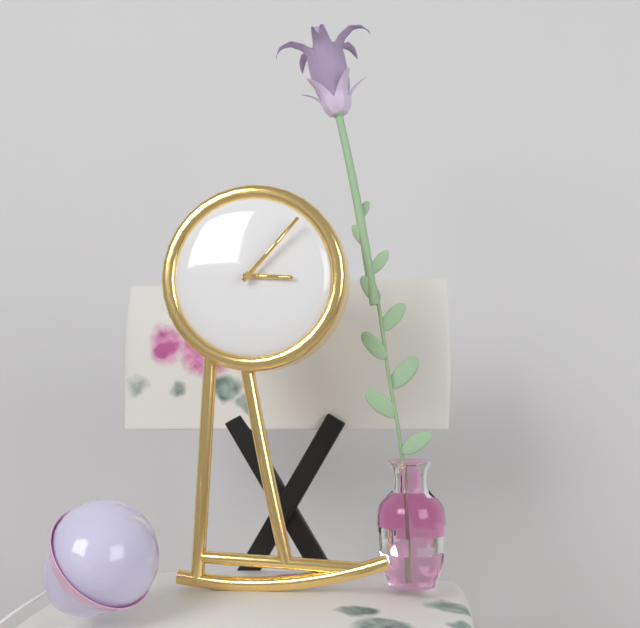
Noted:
**3:07**
